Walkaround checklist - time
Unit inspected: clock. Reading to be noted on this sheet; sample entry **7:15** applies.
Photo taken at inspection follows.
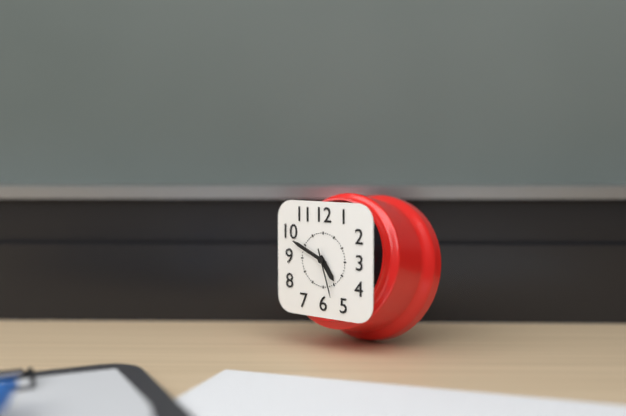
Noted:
**4:49**
